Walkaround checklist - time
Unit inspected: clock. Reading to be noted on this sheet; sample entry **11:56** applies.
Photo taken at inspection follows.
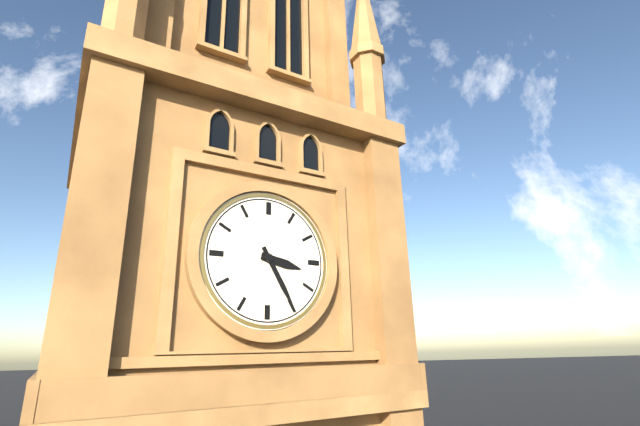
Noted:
**3:25**
